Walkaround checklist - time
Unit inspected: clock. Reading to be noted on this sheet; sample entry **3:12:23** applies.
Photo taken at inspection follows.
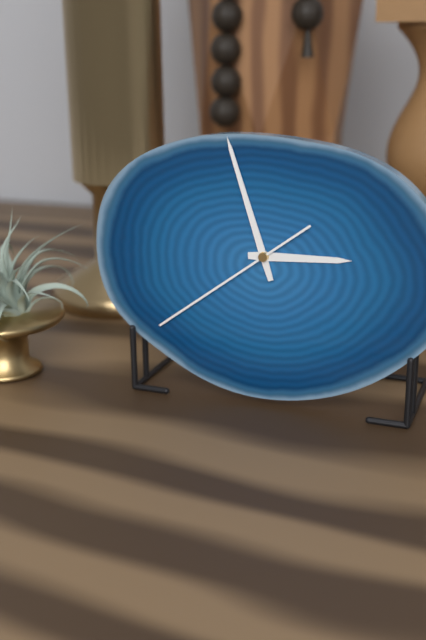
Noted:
**2:57:39**
